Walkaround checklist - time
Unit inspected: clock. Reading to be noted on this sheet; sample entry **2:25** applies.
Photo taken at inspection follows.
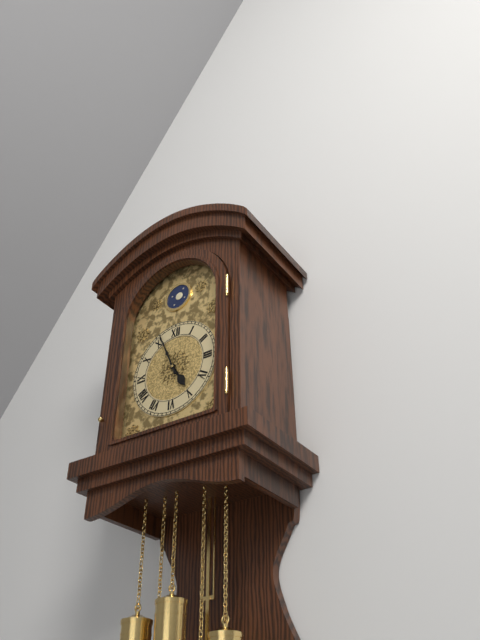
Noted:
**4:56**
